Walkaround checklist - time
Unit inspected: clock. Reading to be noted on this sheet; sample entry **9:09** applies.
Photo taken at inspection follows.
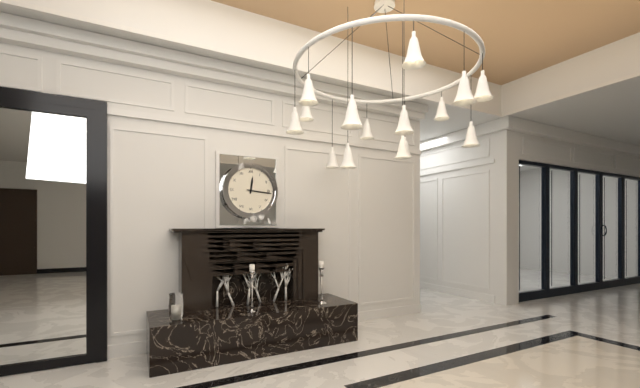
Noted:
**12:16**
